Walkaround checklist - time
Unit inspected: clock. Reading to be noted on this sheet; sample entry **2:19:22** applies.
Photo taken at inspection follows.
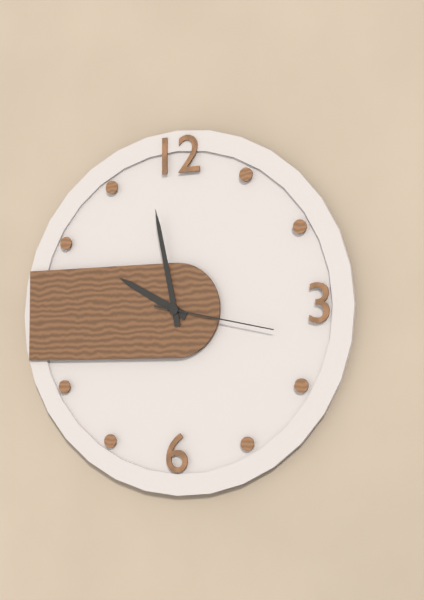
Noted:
**9:58:17**
